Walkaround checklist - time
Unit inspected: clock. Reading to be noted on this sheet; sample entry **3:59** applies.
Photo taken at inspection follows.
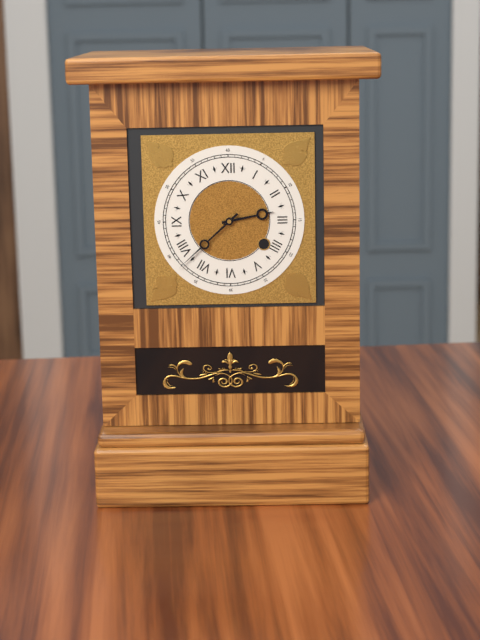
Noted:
**2:38**
